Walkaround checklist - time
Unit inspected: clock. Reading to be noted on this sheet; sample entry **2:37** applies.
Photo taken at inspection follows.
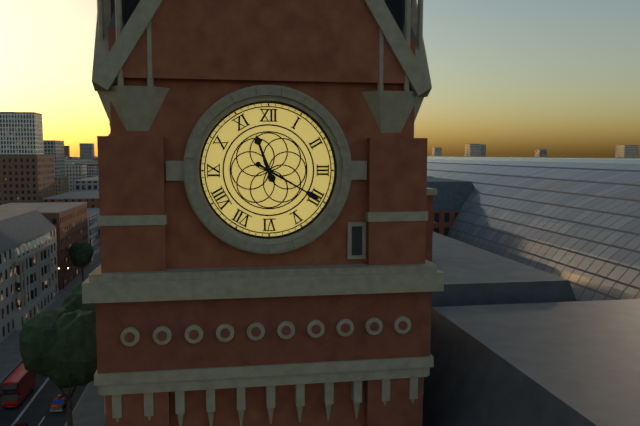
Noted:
**11:20**
